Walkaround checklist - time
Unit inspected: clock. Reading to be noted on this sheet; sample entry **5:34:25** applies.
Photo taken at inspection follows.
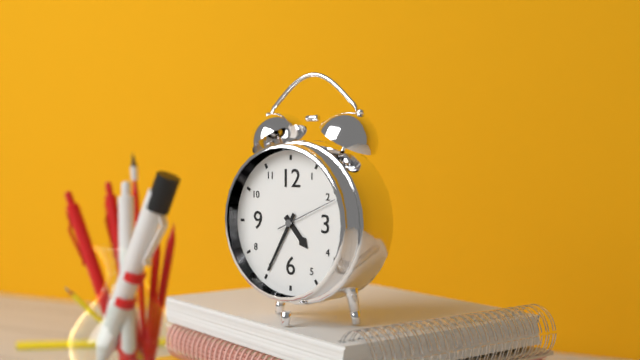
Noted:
**4:35:11**
